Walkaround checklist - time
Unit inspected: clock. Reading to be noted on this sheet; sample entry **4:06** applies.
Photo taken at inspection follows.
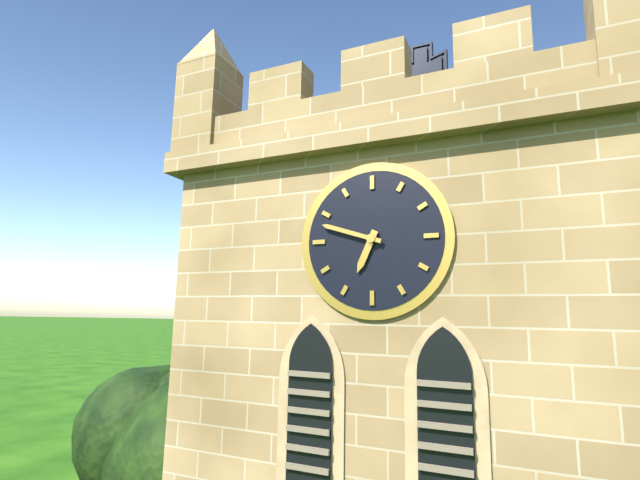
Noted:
**6:48**
